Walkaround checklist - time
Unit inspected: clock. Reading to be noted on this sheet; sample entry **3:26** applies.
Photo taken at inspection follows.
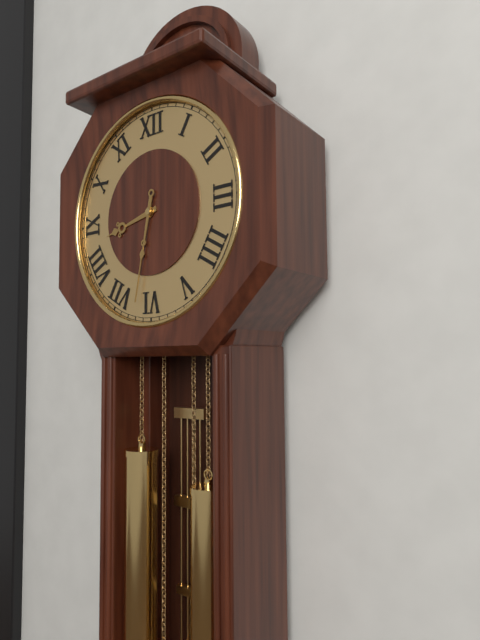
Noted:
**8:32**
